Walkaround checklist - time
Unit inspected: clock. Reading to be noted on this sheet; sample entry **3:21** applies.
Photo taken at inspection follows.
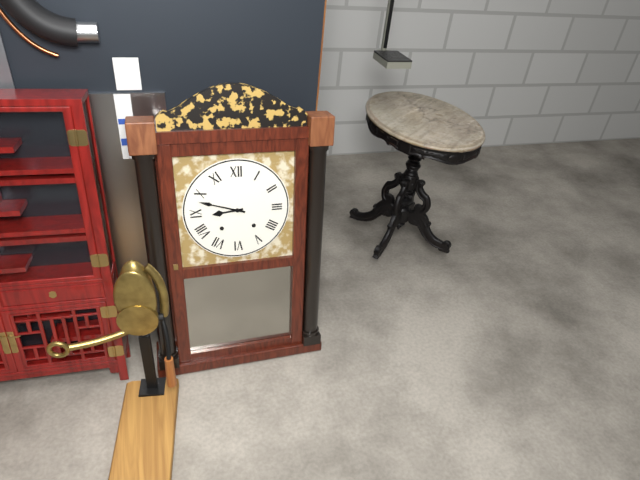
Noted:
**8:48**
